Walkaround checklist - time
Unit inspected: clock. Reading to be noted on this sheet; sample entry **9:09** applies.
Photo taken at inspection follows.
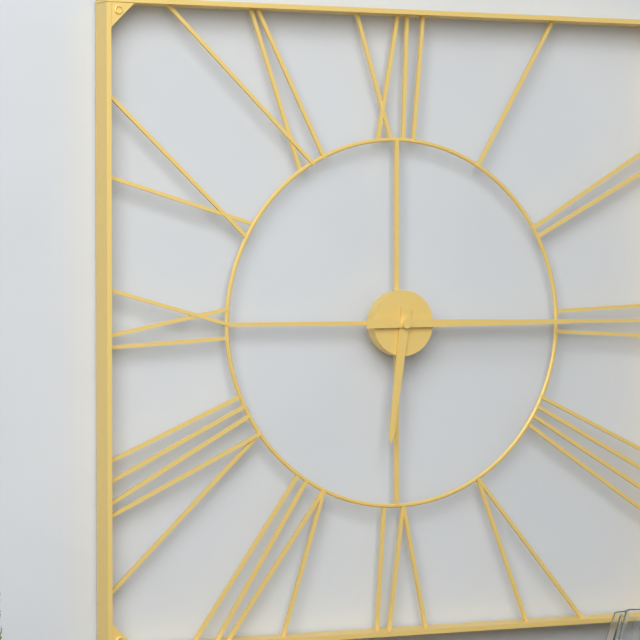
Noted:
**6:15**
